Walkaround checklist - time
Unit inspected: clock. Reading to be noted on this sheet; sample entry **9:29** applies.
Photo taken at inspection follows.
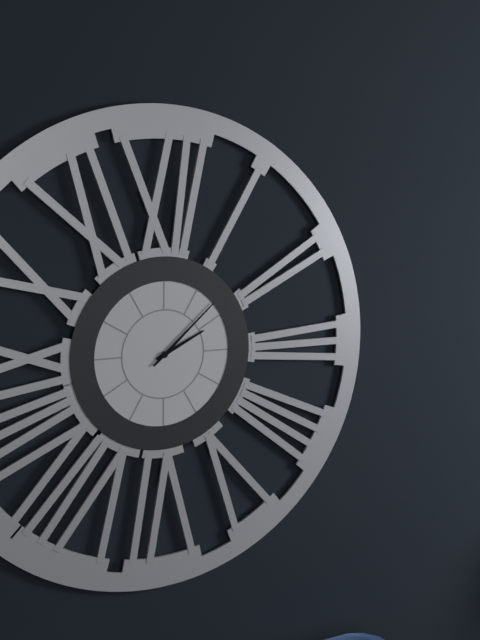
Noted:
**2:08**
